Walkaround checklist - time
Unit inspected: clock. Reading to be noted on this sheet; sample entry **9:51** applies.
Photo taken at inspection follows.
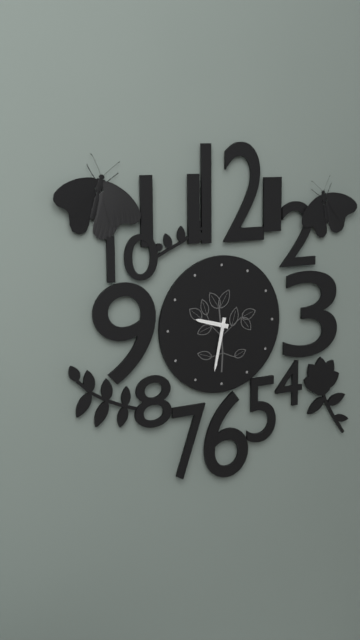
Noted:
**9:32**
